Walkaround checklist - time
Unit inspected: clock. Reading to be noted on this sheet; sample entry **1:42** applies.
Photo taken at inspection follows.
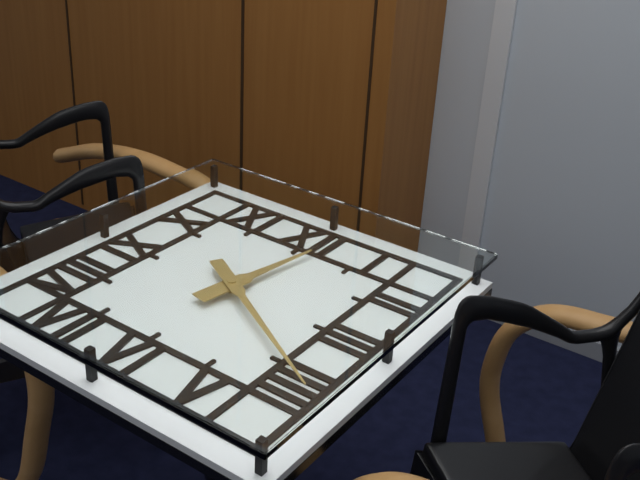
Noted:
**12:20**
